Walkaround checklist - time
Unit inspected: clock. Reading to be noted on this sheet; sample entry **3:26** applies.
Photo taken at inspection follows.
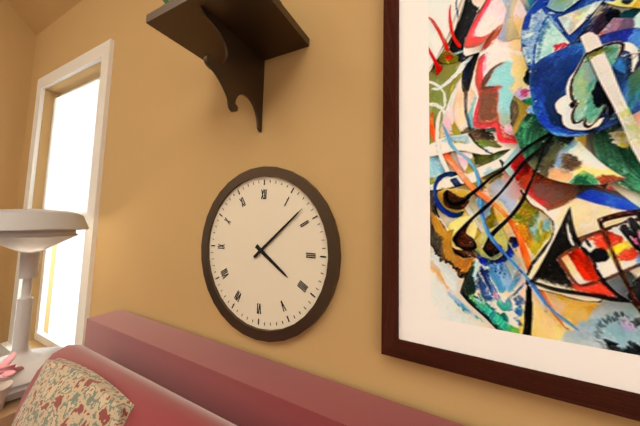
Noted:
**4:08**
